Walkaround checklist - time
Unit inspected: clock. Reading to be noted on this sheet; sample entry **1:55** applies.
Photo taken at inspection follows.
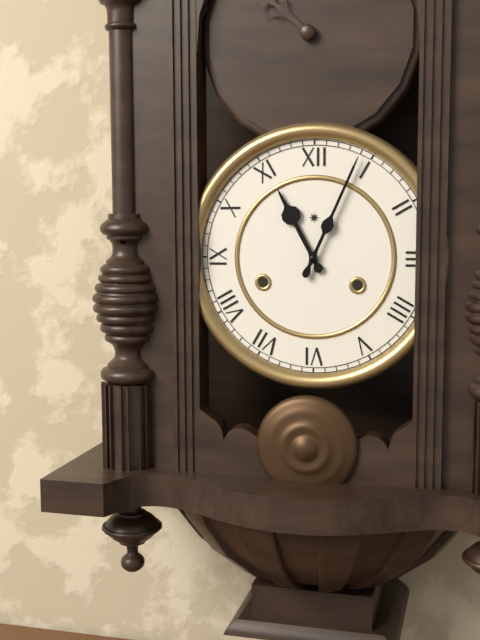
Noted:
**11:04**
